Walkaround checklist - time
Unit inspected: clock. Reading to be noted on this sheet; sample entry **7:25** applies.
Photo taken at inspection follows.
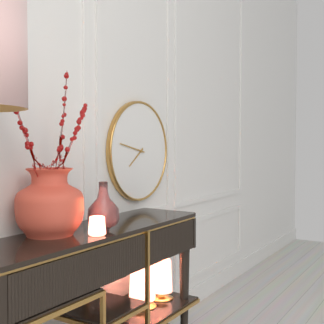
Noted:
**7:47**
